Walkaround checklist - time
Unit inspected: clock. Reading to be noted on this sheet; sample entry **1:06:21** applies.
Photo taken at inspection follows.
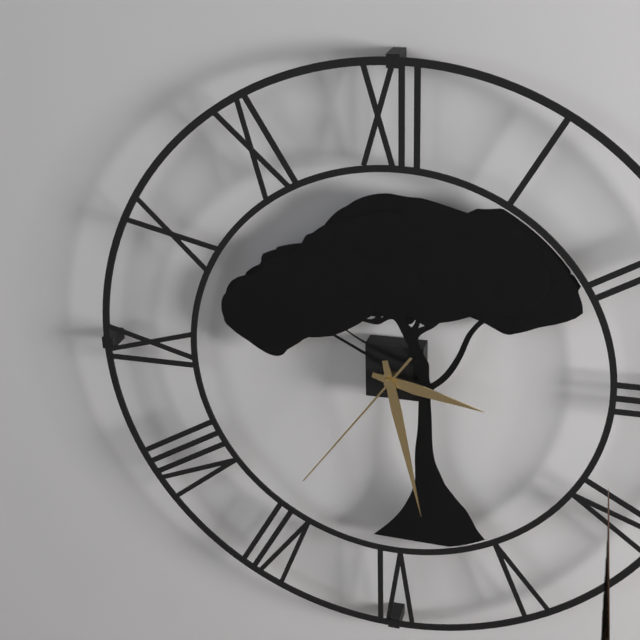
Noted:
**3:28:36**
